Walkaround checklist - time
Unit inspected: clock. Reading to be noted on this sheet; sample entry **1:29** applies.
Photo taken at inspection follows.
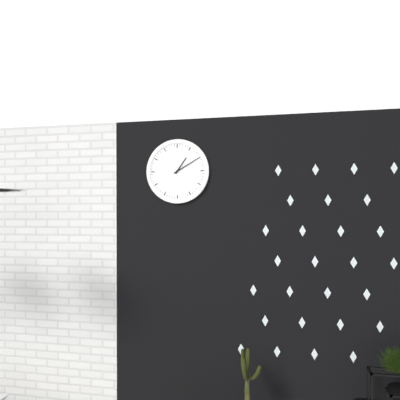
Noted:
**1:10**
